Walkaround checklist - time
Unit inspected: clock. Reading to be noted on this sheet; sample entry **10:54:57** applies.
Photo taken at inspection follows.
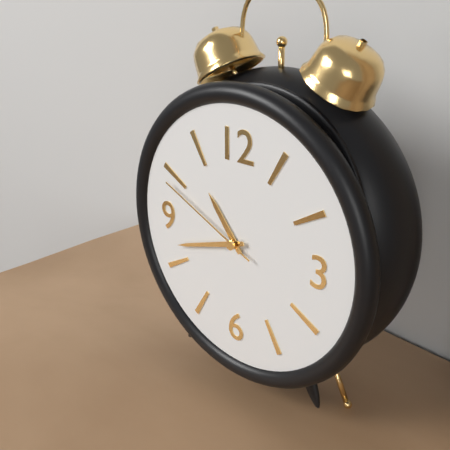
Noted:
**10:42:49**
